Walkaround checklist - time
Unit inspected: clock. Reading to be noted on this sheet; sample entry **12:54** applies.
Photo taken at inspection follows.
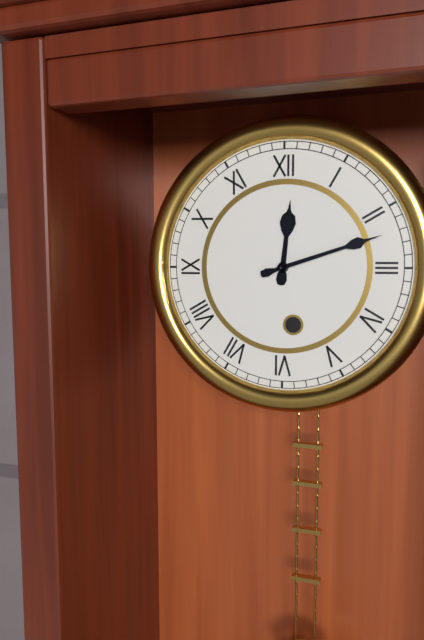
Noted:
**12:12**
